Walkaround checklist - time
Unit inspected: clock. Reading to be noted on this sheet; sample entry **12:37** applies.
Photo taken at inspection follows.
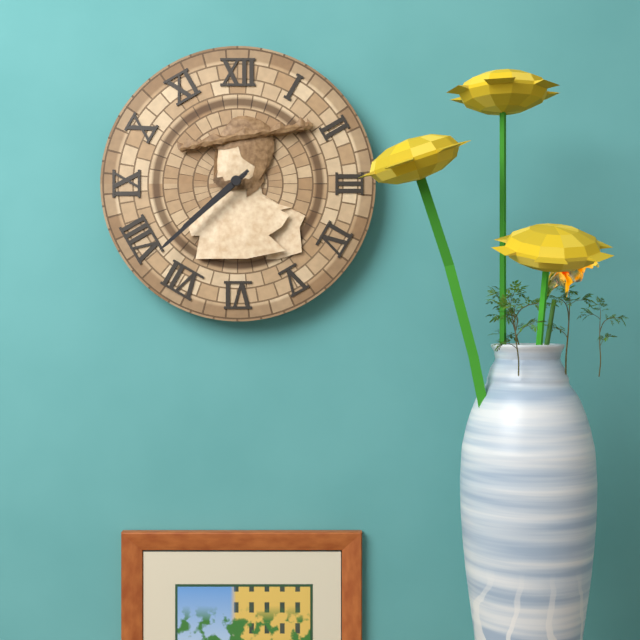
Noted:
**7:38**
